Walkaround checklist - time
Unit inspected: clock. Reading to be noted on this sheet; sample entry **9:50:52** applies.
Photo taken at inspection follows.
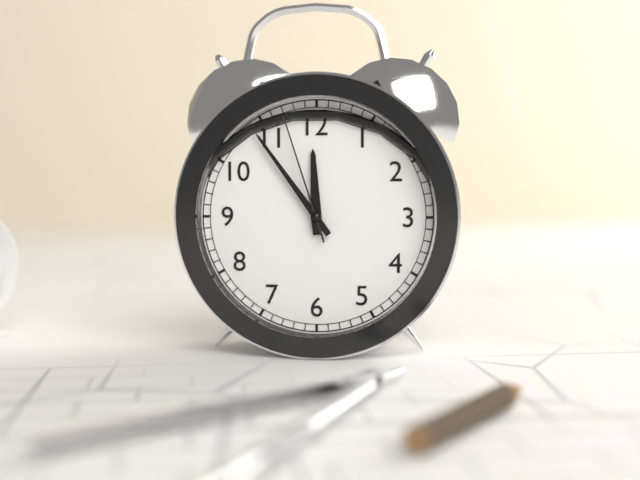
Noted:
**11:54:57**
